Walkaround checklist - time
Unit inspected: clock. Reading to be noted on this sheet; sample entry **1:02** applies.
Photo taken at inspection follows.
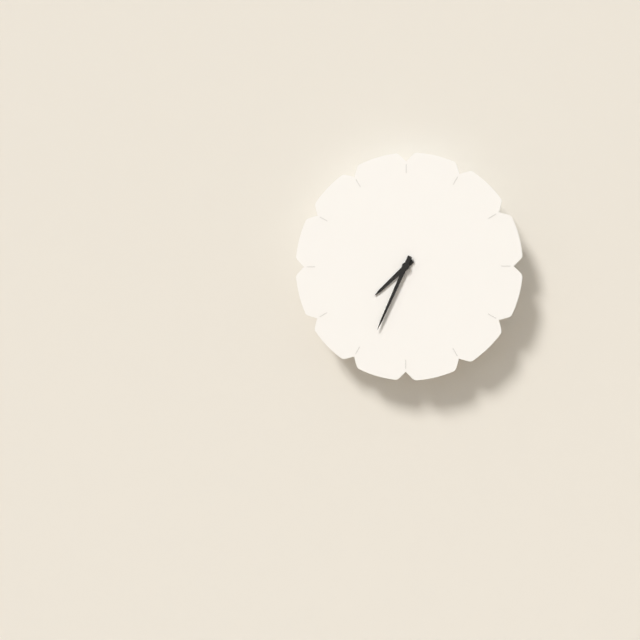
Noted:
**7:34**
